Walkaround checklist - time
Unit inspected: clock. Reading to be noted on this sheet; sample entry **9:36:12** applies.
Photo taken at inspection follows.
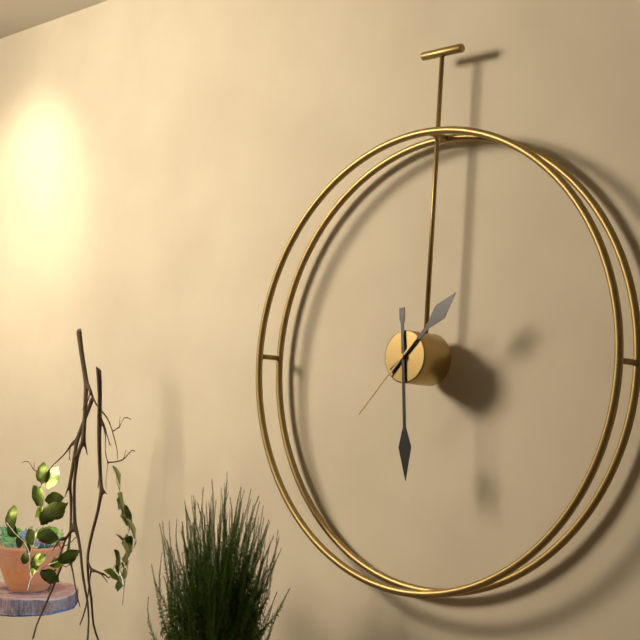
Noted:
**1:29:37**
